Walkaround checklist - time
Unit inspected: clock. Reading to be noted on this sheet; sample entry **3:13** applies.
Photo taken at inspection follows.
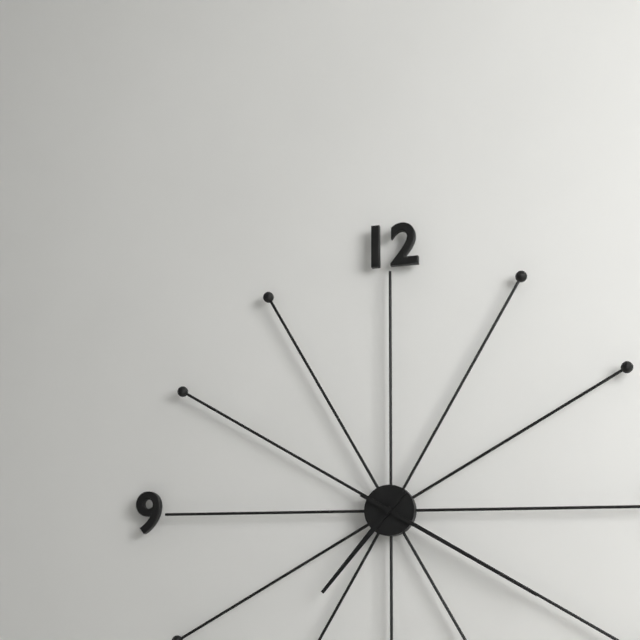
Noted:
**7:20**
